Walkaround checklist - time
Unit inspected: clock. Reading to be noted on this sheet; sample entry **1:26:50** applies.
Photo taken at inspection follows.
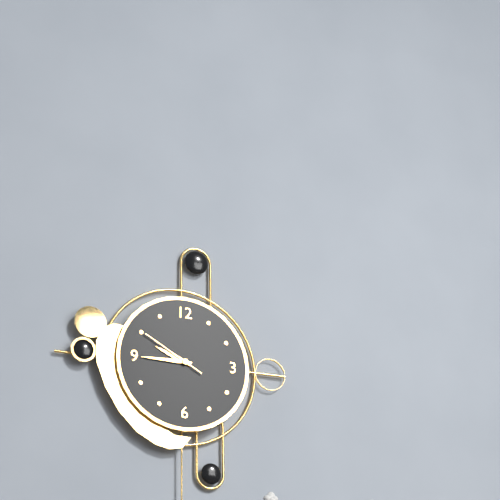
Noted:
**9:45:50**
